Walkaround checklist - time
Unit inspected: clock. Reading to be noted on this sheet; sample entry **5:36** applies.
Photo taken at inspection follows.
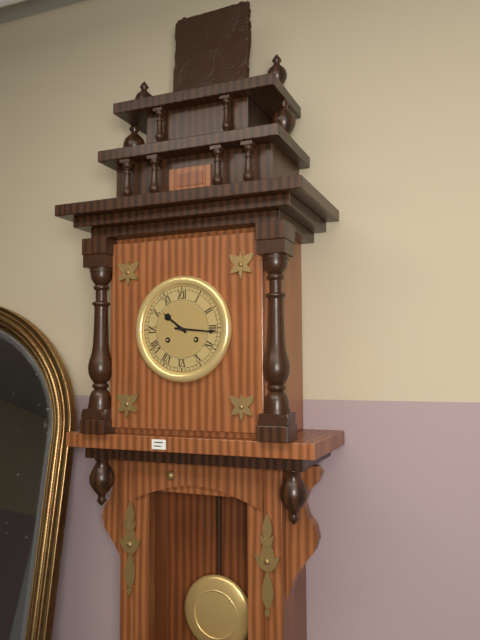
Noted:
**10:16**
